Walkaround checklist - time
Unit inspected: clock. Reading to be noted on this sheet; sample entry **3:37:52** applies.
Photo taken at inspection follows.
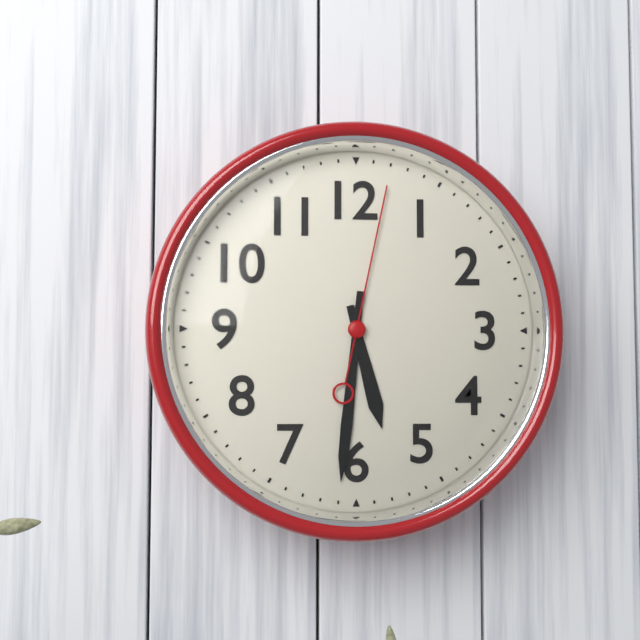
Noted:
**5:31:02**
